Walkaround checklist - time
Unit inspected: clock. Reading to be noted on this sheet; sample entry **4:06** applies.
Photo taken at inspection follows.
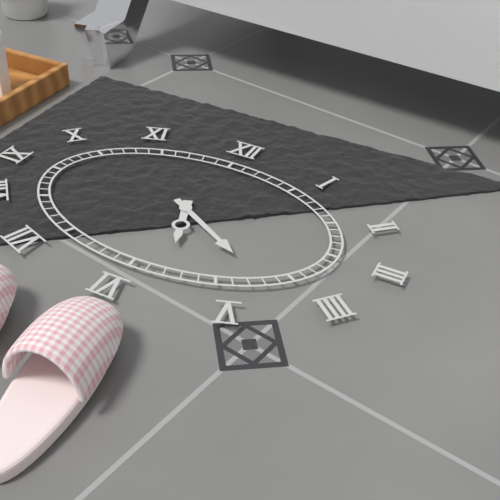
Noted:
**5:20**
